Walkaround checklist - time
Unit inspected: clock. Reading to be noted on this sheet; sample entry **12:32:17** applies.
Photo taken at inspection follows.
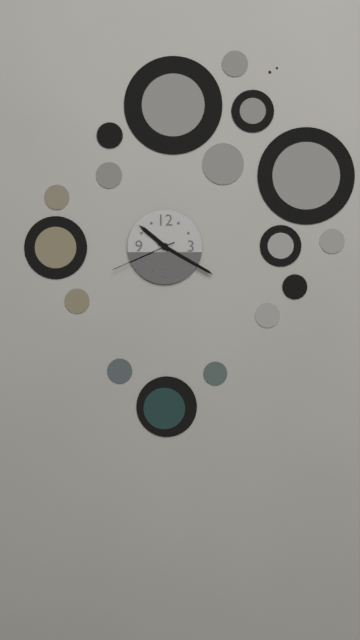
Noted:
**10:20:41**
